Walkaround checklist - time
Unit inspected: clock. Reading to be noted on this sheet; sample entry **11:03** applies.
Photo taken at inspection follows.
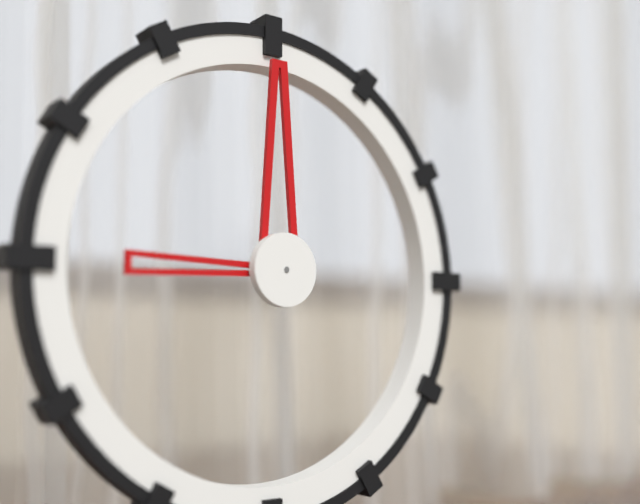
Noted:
**9:00**
